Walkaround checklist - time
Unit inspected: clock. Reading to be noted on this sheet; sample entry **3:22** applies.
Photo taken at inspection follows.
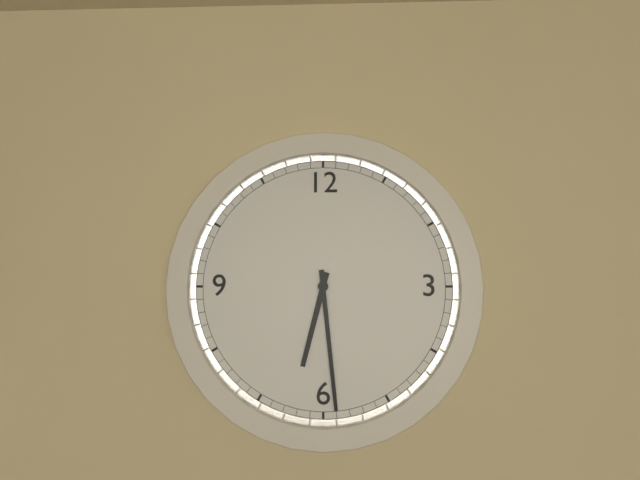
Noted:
**6:29**
